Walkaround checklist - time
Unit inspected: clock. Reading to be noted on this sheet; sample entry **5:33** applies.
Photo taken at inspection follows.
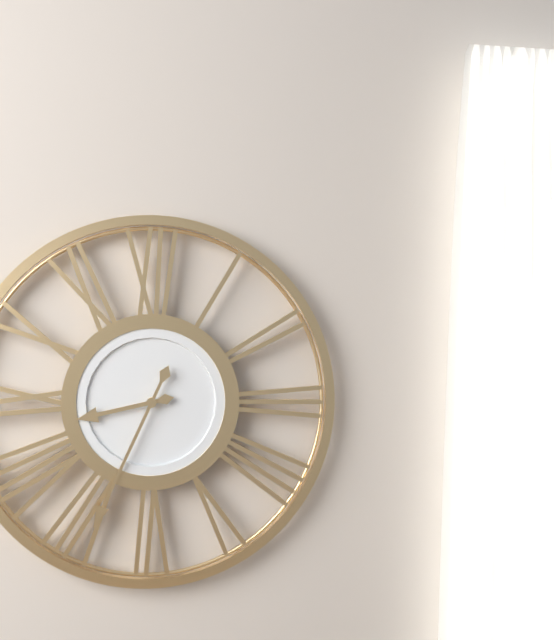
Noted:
**8:34**
